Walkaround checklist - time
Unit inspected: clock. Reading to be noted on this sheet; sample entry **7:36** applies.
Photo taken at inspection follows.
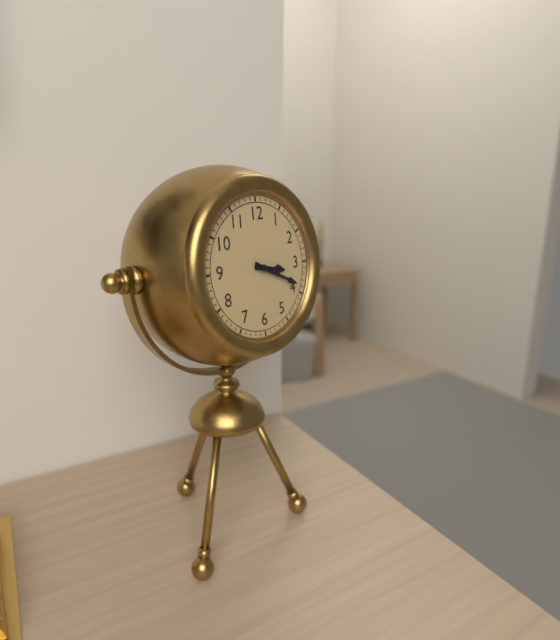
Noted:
**3:19**
